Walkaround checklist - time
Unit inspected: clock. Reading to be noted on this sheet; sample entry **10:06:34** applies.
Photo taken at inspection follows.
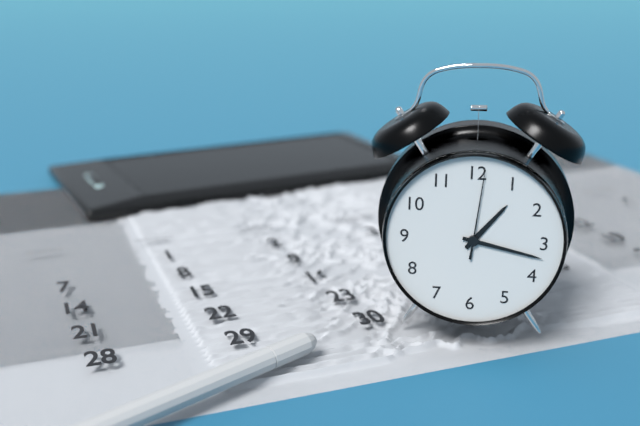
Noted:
**1:17:01**
